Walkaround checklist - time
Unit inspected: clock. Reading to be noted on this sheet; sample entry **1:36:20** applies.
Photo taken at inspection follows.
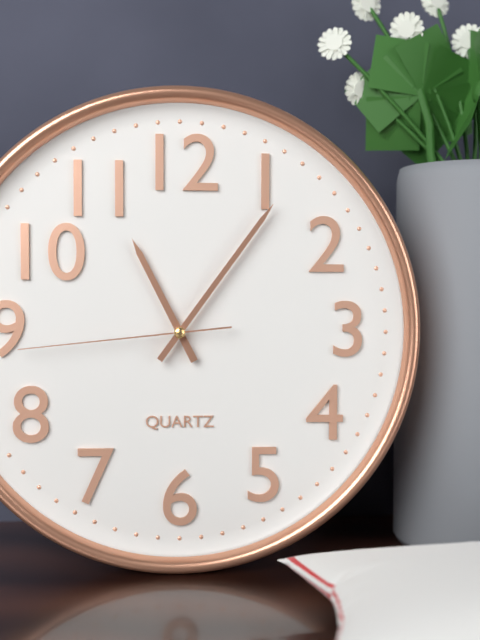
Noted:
**11:06:44**
